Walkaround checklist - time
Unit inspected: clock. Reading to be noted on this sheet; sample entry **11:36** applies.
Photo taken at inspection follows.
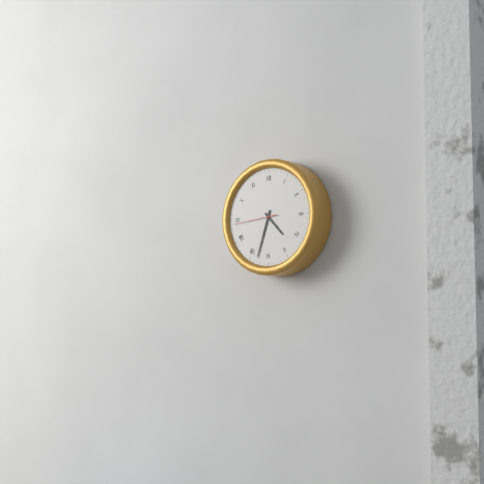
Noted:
**4:33**
